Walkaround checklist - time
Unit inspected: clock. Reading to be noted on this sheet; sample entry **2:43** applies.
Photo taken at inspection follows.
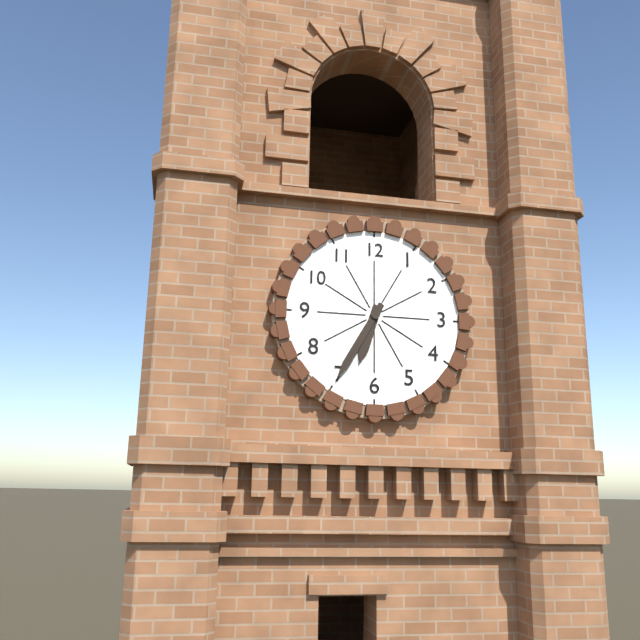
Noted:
**6:35**
